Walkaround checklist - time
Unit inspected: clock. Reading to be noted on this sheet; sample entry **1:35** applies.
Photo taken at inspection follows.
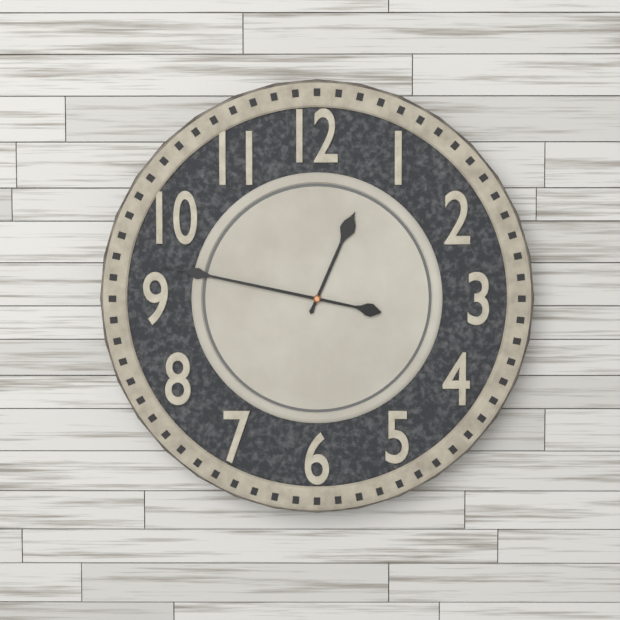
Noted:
**12:47**
